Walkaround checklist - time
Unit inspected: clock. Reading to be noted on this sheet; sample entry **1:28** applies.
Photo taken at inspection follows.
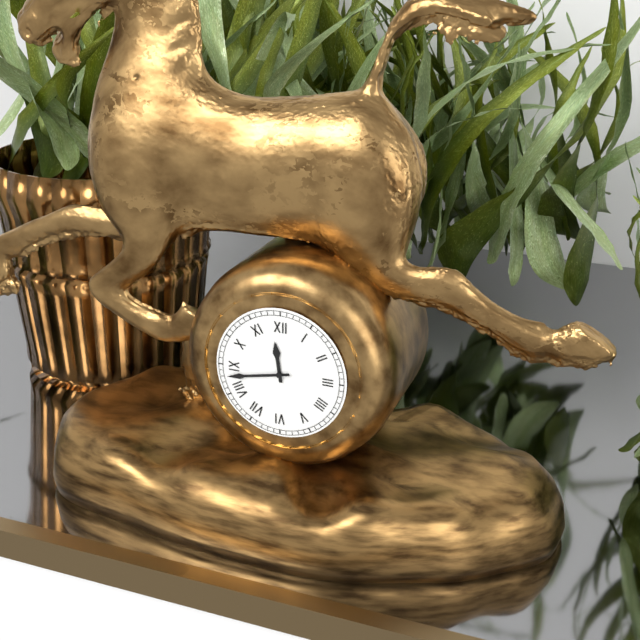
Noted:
**11:43**
